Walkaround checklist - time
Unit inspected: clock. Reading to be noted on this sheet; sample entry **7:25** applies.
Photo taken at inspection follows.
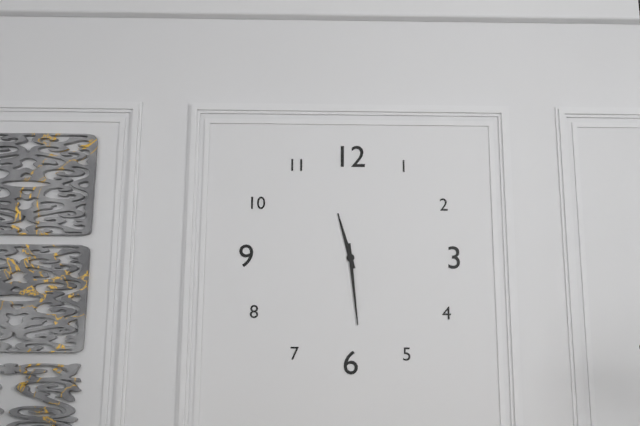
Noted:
**11:29**
